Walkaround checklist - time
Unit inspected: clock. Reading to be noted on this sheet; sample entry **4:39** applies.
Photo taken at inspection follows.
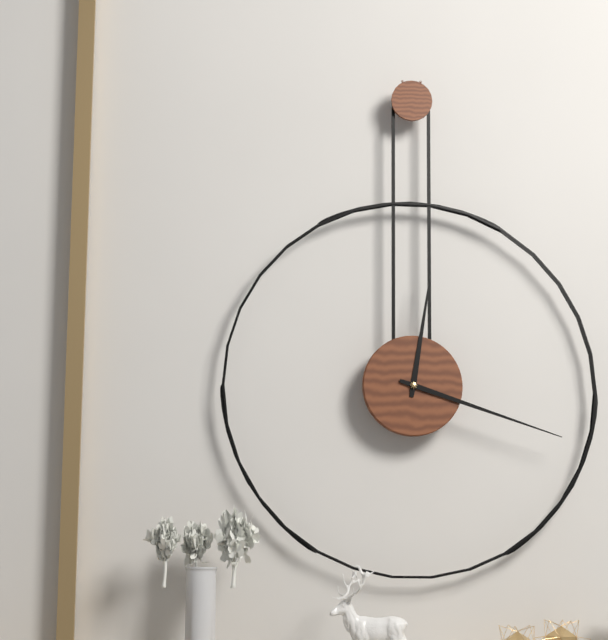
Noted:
**12:18**
